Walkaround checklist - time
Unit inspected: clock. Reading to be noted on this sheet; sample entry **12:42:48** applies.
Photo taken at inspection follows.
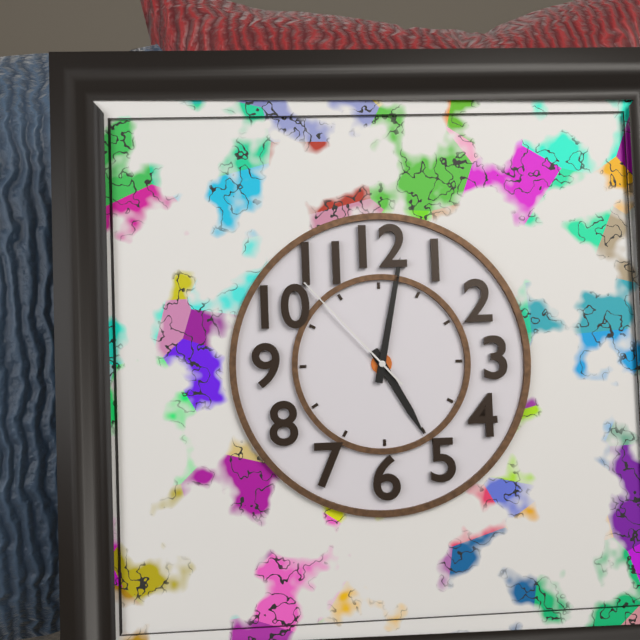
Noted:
**5:02:53**
